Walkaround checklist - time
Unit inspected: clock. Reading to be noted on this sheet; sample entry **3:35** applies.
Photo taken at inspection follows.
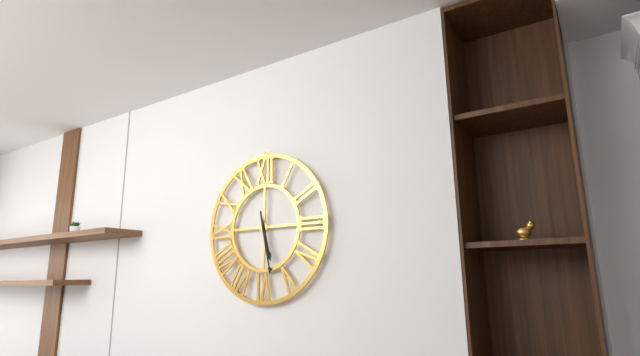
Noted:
**5:28**
